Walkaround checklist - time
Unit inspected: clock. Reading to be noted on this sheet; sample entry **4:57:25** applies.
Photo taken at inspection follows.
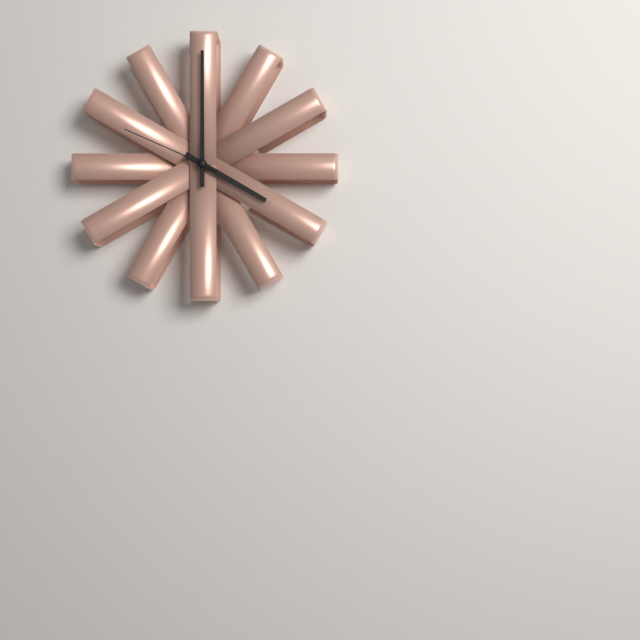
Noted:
**4:00:49**
